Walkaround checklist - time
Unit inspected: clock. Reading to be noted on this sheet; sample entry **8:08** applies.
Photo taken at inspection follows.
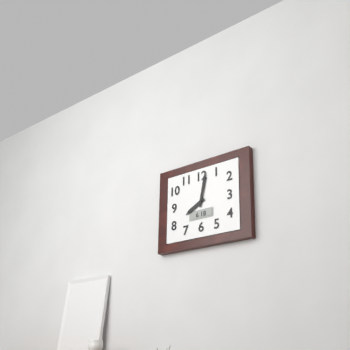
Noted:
**8:02**
